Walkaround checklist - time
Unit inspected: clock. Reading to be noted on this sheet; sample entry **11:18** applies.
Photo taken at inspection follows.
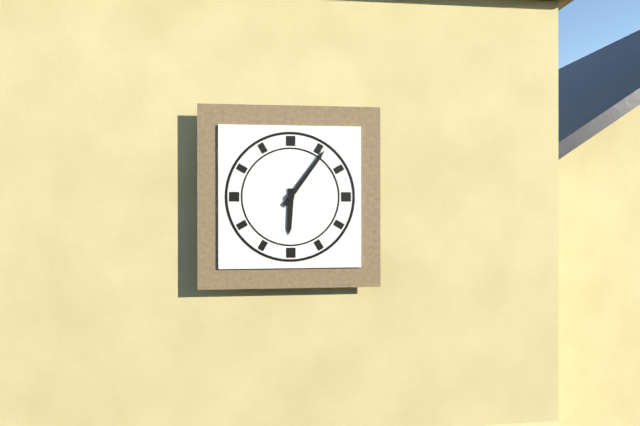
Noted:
**6:06**
